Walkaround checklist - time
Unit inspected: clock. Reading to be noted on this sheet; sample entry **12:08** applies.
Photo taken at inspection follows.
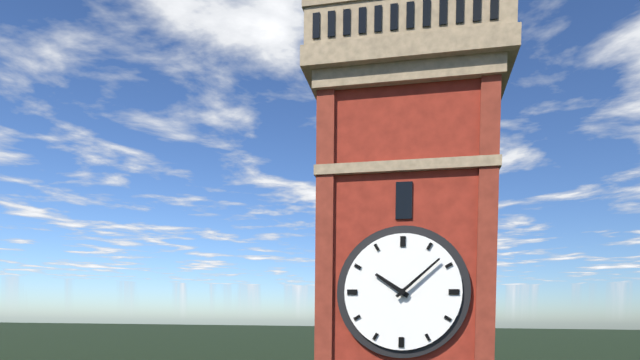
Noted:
**10:08**
